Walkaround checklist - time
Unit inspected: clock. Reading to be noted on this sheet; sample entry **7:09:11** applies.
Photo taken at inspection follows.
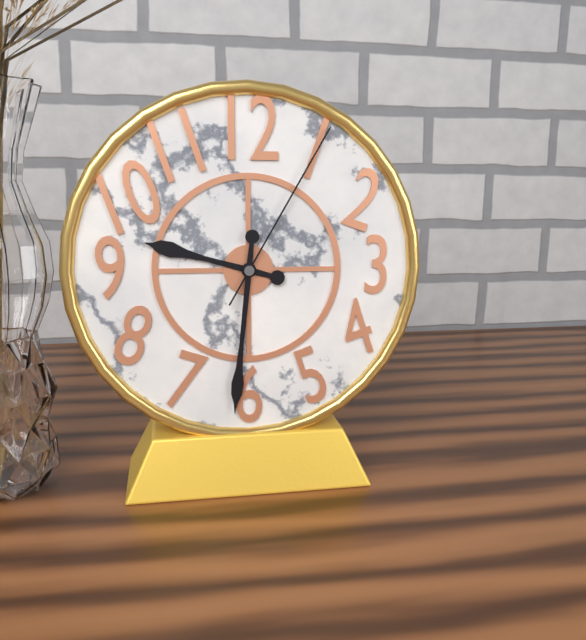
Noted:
**9:31:05**
